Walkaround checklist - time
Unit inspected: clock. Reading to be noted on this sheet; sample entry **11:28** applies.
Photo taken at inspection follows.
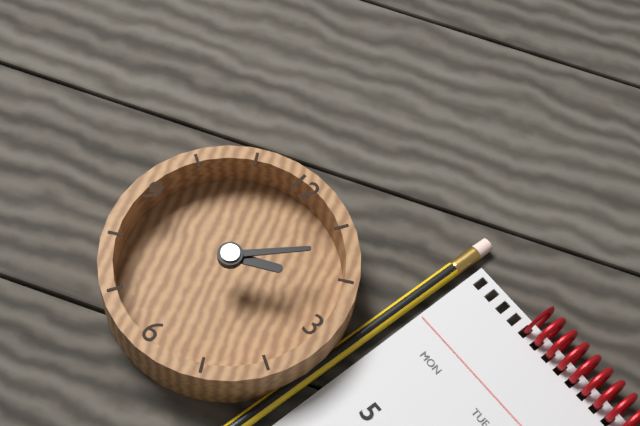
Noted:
**2:07**
